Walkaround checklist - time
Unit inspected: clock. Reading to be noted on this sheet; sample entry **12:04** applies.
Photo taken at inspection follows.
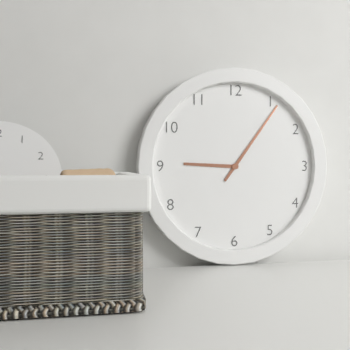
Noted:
**9:06**
